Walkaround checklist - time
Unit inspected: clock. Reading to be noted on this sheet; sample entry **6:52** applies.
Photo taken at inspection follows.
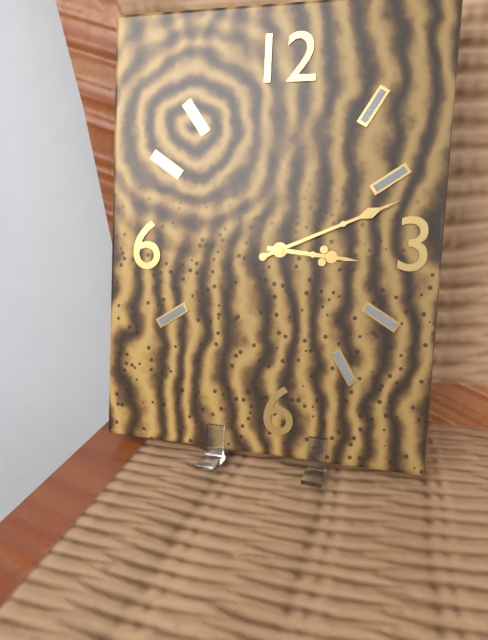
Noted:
**3:11**
